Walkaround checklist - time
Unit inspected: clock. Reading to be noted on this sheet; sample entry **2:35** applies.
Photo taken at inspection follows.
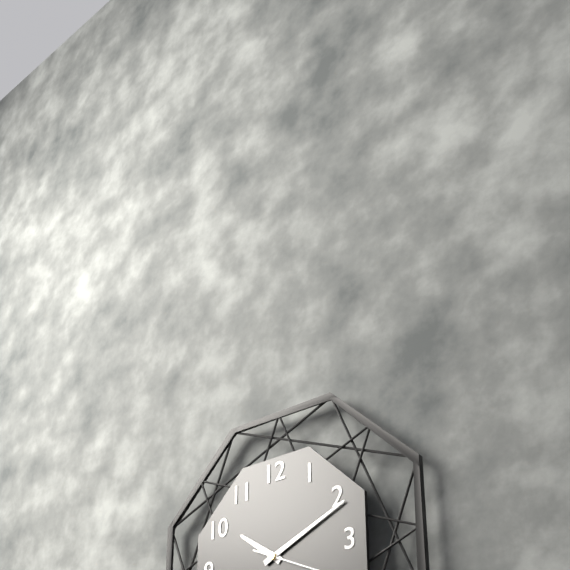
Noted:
**10:11**
